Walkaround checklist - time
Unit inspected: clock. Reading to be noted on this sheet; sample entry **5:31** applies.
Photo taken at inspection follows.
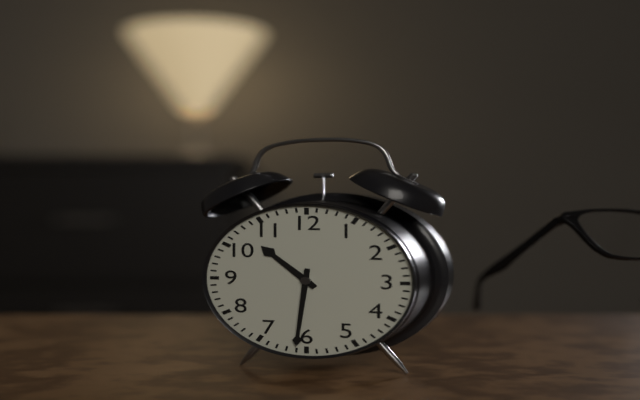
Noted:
**10:31**
